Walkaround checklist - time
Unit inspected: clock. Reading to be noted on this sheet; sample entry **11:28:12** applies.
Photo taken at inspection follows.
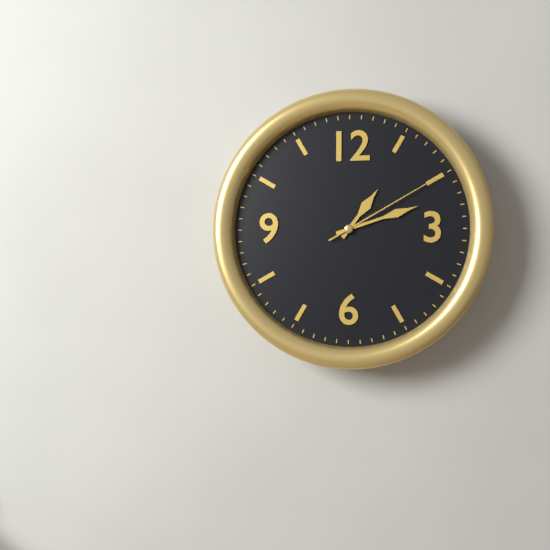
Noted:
**1:12:10**
